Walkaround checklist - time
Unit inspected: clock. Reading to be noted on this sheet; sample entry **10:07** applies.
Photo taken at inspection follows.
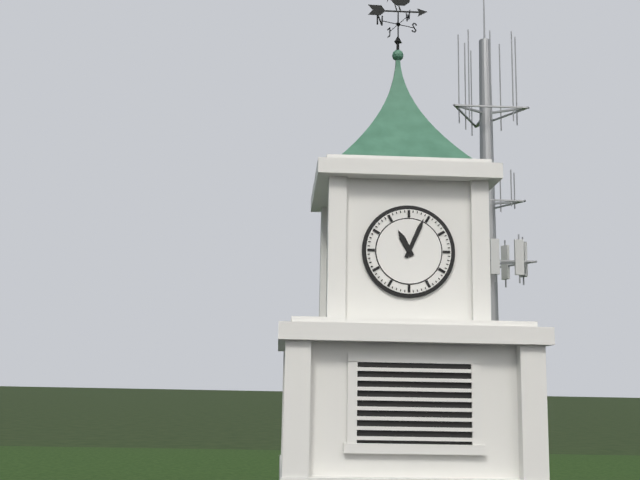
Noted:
**11:04**
